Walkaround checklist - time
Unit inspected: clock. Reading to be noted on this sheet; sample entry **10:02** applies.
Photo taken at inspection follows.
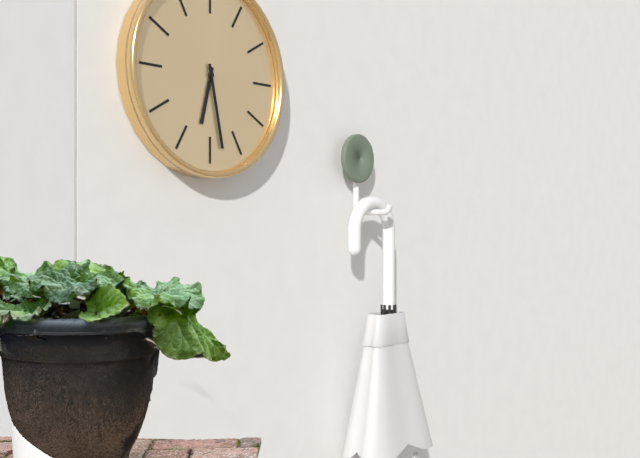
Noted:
**6:28**
